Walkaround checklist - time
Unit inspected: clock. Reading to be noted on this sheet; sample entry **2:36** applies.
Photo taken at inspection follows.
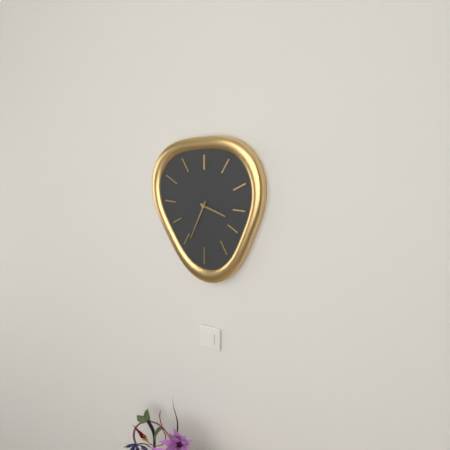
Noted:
**3:34**
